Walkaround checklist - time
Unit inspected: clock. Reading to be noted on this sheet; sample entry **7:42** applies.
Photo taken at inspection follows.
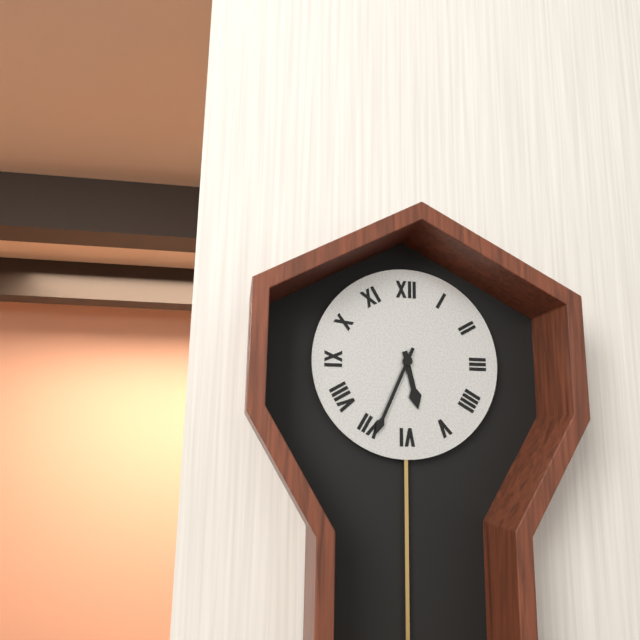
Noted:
**5:34**
